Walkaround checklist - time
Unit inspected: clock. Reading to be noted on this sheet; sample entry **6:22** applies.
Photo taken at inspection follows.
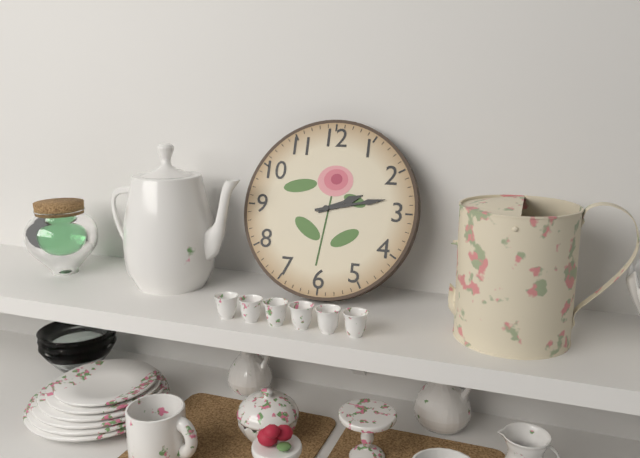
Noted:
**2:13**
